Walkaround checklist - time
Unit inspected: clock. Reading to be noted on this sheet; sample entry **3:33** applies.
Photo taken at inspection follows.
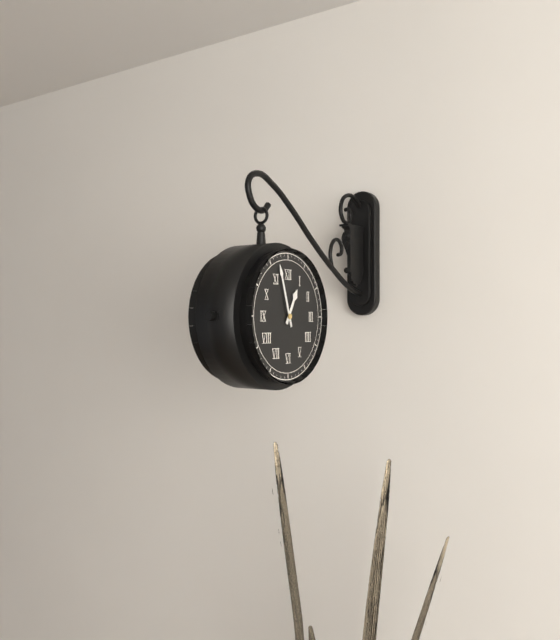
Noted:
**12:57**
